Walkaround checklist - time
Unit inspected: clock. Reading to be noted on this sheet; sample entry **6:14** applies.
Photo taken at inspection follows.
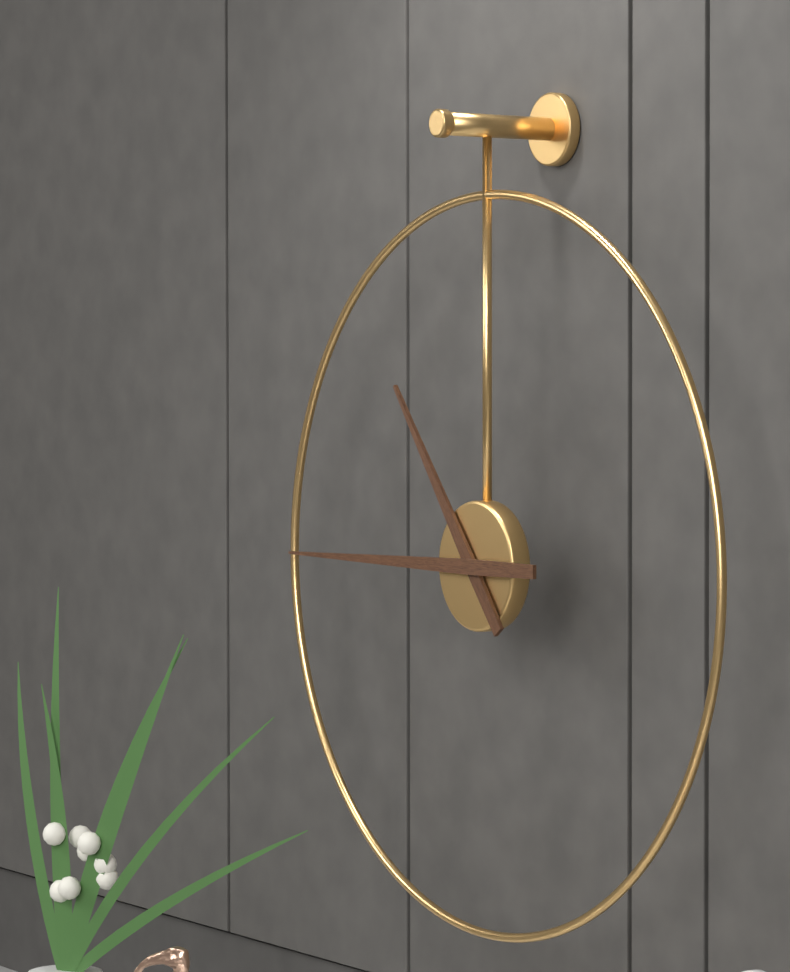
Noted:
**10:45**
